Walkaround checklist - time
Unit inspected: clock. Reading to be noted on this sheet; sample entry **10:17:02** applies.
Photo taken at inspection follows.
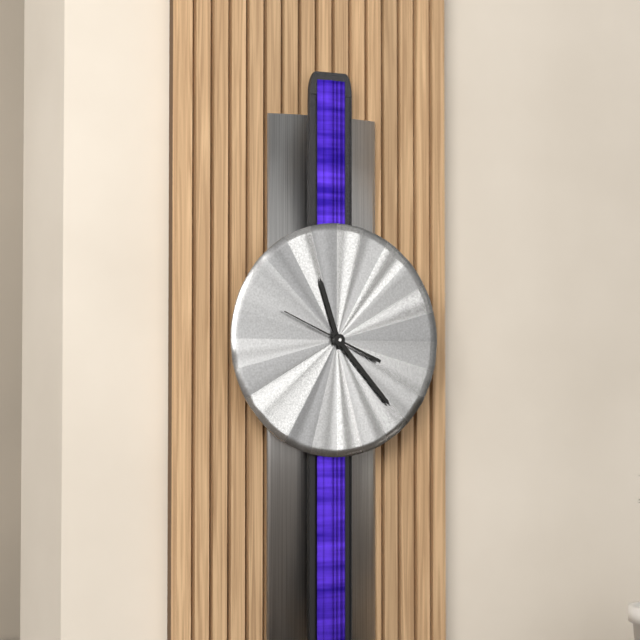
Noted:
**11:23:49**
